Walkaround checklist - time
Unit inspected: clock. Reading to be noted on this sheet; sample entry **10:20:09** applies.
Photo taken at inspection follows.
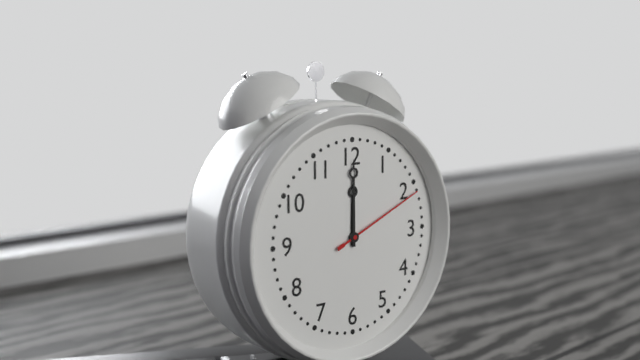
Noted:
**12:00:11**
